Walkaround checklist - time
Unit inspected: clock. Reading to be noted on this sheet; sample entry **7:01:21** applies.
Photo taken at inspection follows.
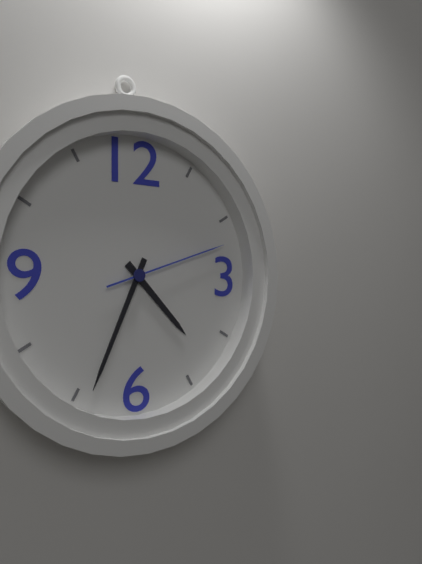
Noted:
**4:34:12**
